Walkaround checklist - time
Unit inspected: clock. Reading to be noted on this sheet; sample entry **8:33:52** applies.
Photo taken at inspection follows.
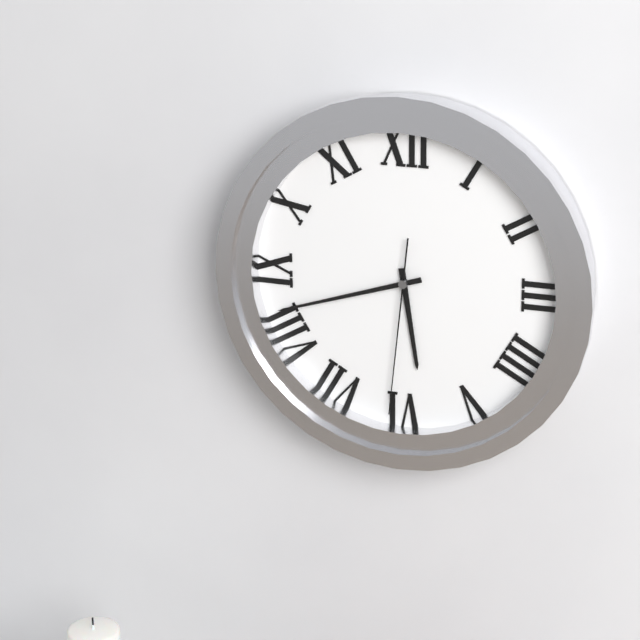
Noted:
**5:42:31**
